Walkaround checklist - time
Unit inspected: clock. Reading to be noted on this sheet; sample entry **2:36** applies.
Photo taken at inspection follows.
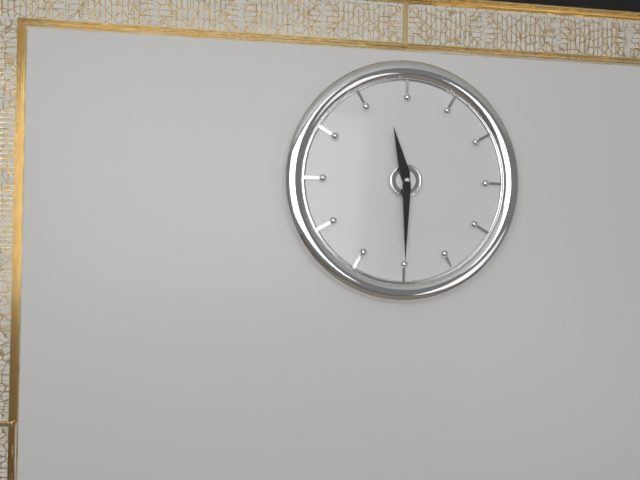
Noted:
**11:30**
